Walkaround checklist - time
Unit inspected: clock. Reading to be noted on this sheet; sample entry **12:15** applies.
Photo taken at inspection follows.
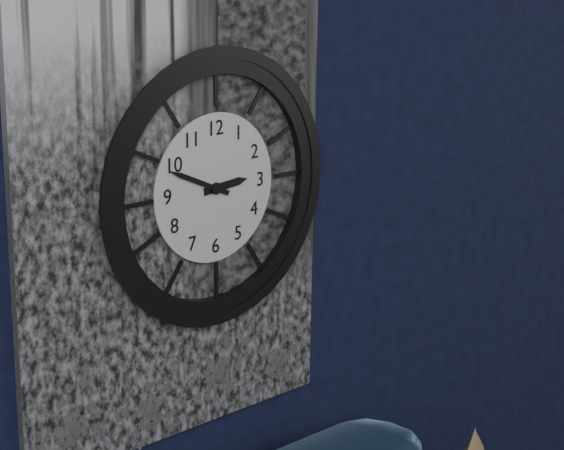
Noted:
**2:49**
